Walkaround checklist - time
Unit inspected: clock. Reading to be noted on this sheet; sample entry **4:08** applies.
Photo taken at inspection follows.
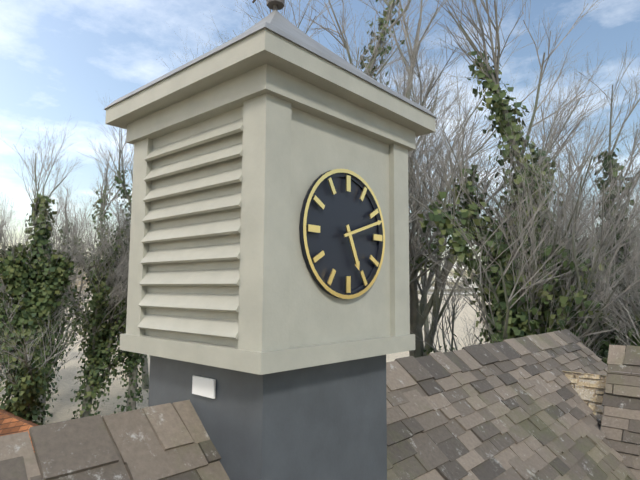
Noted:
**5:12**
